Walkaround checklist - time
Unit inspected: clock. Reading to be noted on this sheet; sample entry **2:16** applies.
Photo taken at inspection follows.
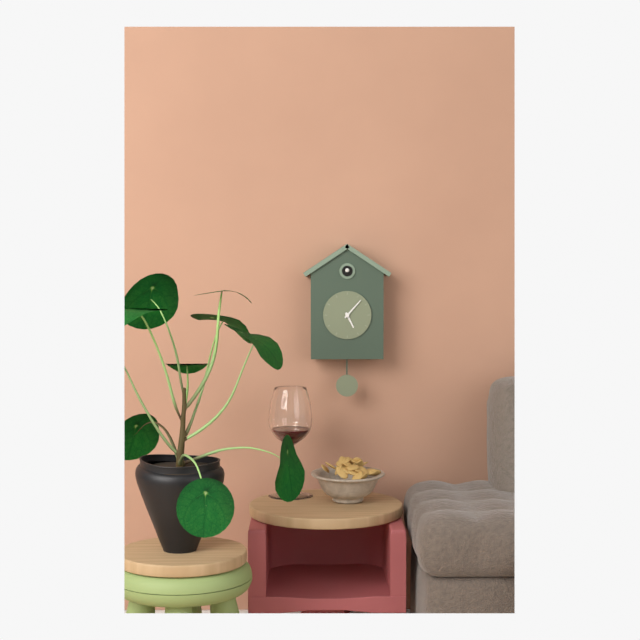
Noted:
**5:07**
